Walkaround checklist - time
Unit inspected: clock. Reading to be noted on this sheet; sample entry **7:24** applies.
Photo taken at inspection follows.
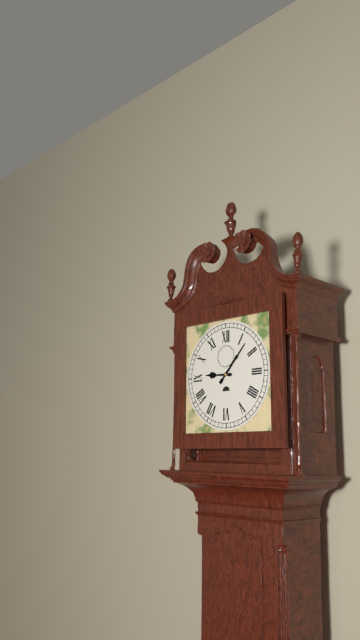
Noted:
**9:07**
